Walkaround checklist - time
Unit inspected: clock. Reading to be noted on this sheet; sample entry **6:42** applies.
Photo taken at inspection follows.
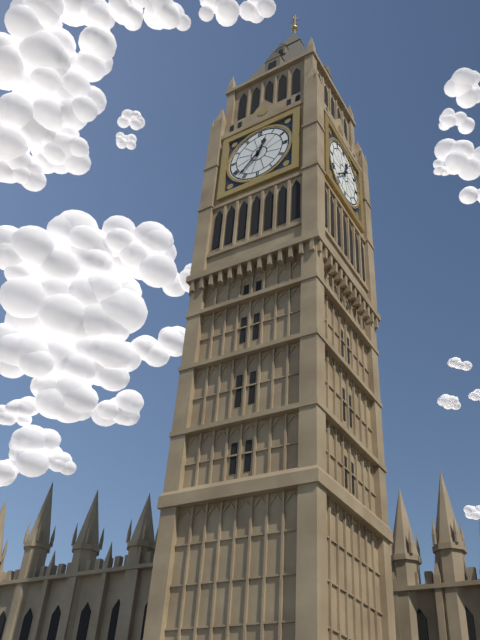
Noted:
**12:37**
